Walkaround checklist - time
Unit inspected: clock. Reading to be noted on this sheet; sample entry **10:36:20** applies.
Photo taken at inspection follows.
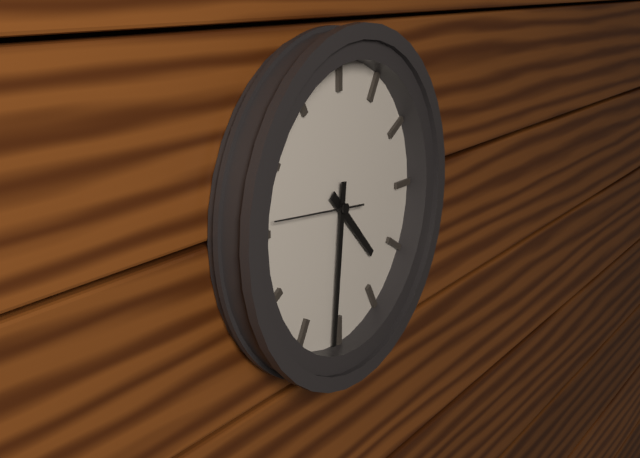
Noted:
**4:31:46**
